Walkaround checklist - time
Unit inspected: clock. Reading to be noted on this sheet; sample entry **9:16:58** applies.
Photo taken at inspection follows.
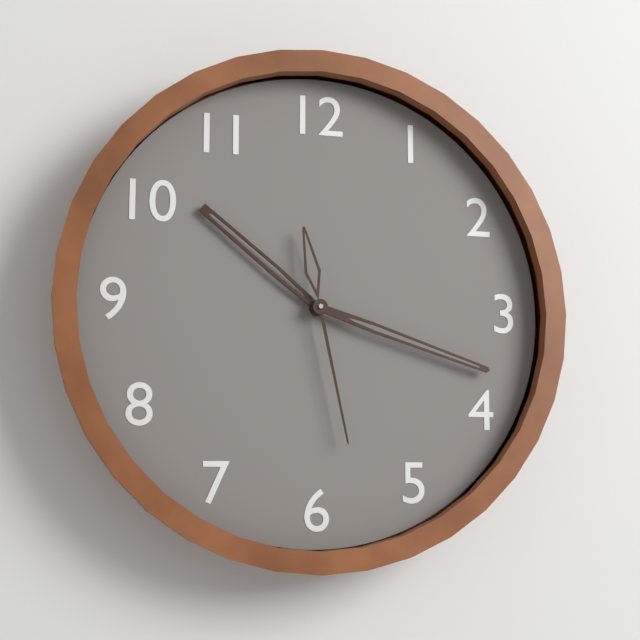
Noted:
**10:18:28**
